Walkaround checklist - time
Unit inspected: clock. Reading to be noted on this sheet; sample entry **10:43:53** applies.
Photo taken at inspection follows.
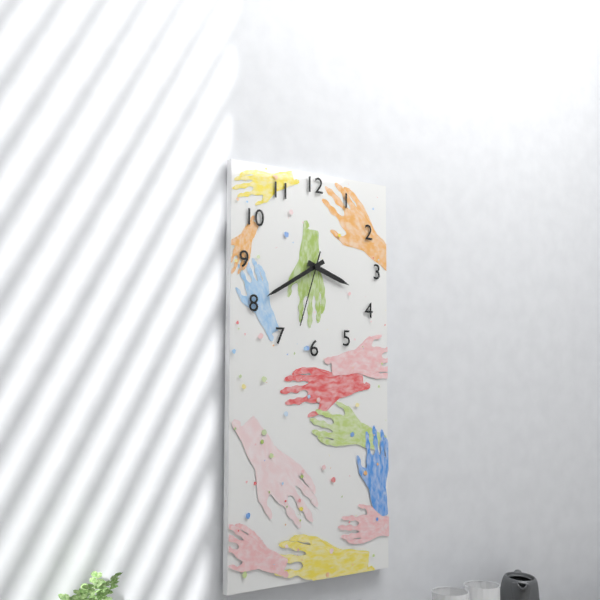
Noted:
**3:40:33**
